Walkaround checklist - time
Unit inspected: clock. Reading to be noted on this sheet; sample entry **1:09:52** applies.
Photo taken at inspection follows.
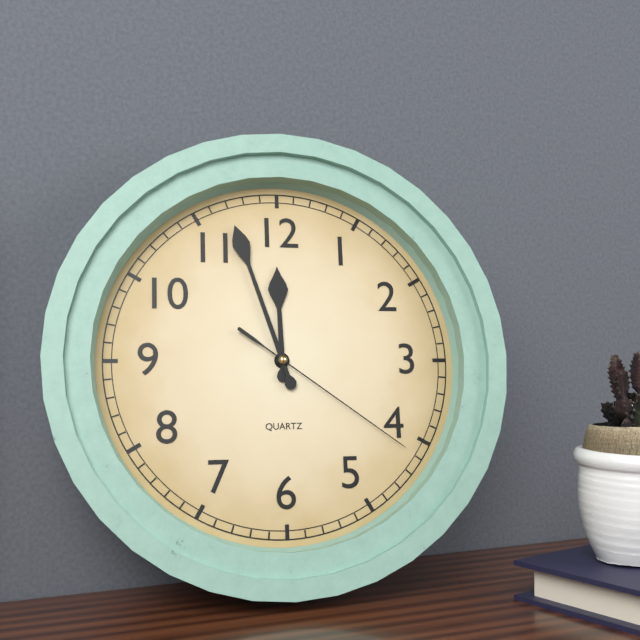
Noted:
**11:57:21**
